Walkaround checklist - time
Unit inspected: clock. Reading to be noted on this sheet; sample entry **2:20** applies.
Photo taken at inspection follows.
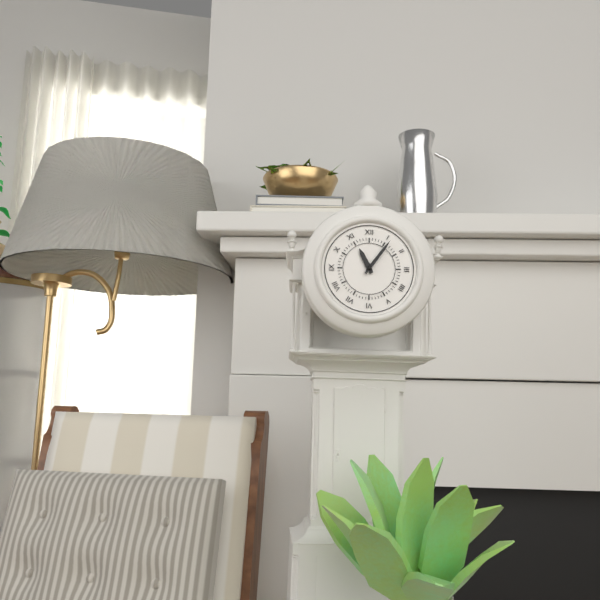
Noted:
**11:06**
